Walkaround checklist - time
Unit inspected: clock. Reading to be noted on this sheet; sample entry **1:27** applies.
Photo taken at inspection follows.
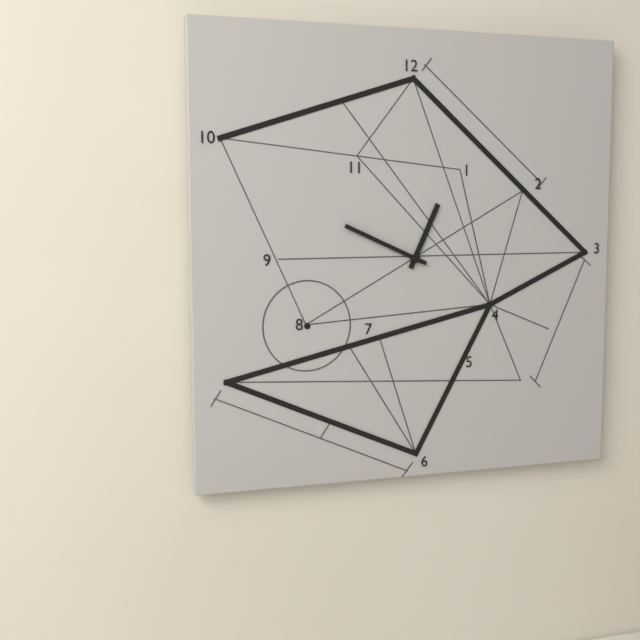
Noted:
**12:49**
